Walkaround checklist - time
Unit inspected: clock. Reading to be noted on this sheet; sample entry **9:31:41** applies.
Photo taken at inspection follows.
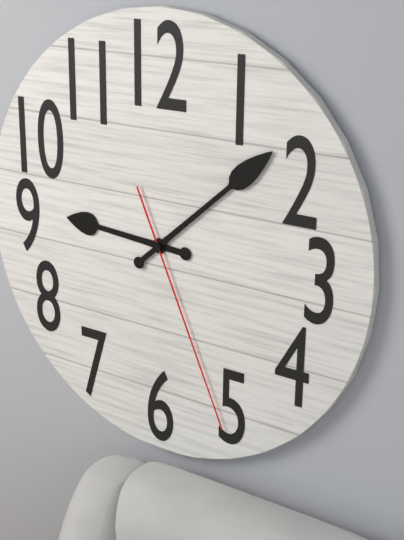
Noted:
**9:08:26**
